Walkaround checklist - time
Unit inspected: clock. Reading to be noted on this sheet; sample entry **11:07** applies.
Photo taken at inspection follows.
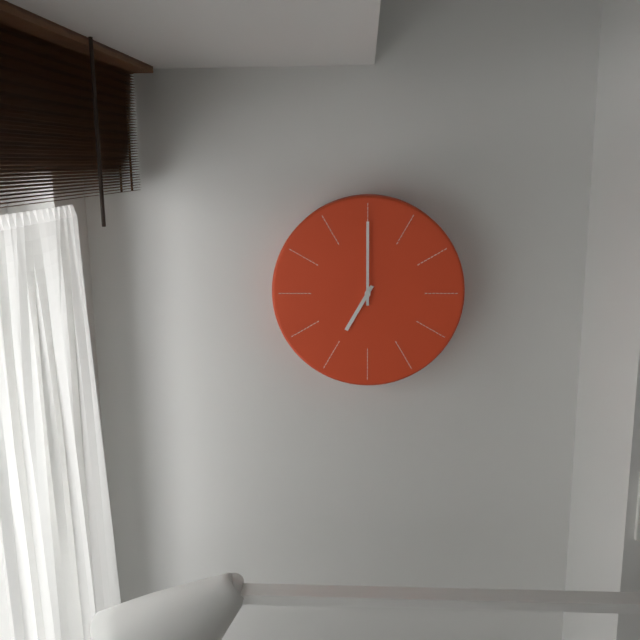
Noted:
**7:00**
